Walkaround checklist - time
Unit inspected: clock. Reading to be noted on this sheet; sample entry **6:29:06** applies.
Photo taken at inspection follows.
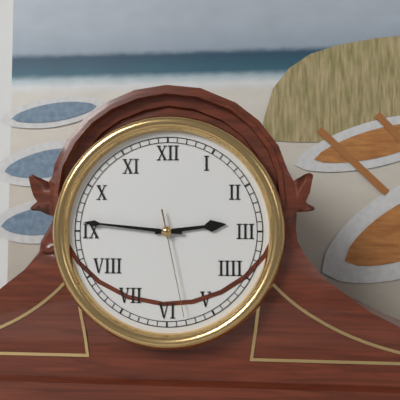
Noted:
**2:46:28**
